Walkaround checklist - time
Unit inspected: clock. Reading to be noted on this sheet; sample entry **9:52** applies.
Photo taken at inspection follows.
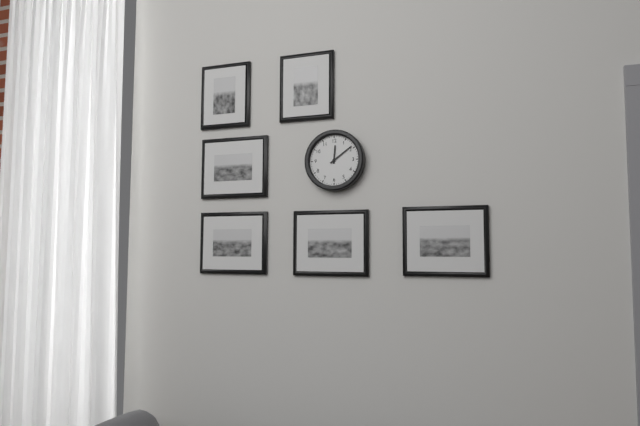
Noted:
**12:09**
